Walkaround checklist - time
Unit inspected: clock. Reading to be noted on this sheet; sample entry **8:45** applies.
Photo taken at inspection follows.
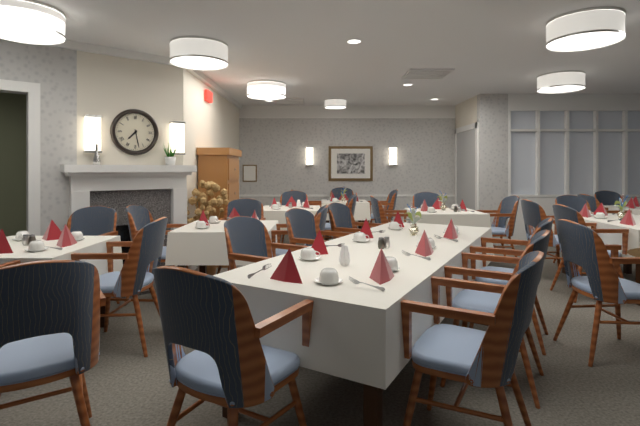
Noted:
**7:28**
